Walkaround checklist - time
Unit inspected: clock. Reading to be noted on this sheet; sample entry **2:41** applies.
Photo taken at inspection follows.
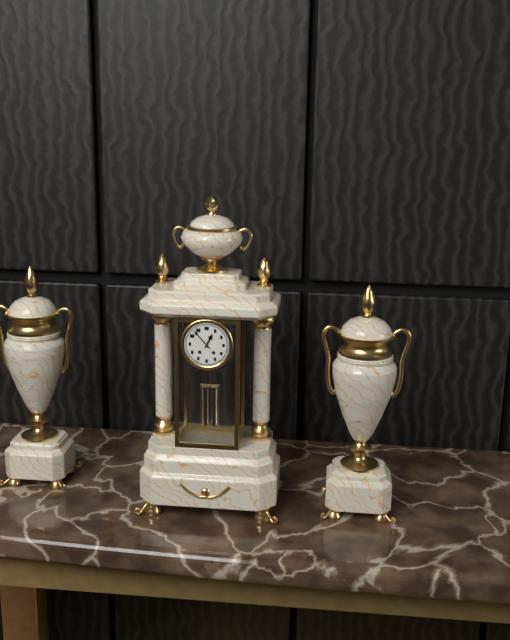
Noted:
**12:53**
